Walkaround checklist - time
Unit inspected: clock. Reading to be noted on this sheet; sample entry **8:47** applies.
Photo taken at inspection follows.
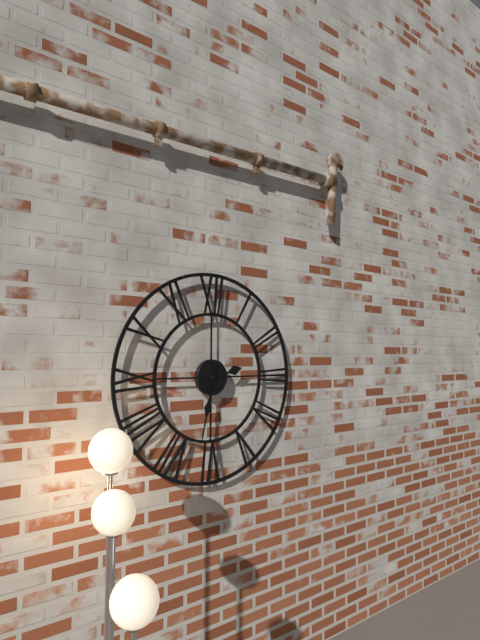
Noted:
**2:32**
